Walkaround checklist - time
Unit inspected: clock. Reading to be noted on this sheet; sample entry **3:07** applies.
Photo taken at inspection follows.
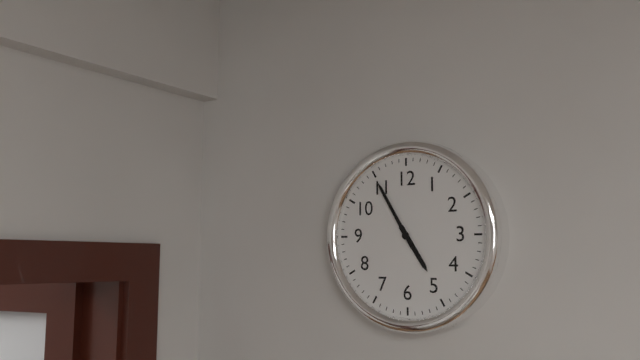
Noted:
**4:55**
